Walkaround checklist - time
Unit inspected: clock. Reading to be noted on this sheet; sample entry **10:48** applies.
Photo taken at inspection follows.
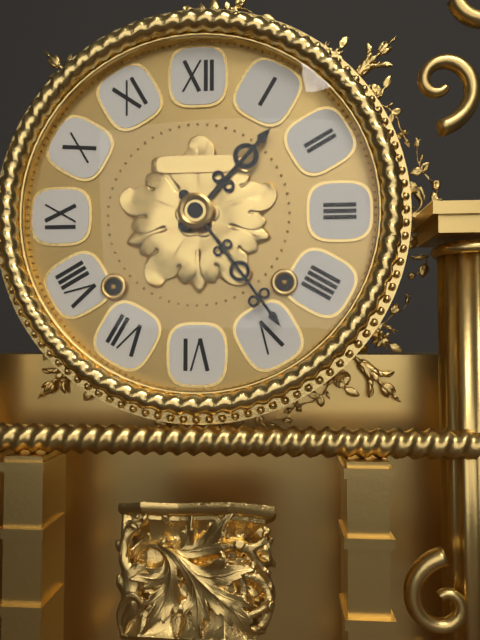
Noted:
**1:24**
